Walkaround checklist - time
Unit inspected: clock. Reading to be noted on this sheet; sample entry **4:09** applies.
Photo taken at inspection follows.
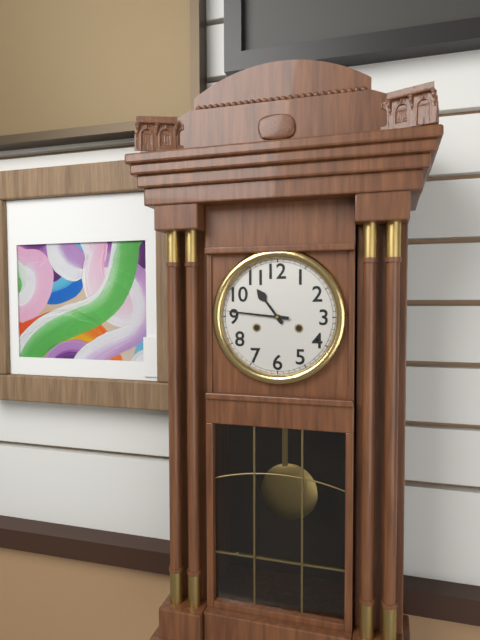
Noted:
**10:46**
